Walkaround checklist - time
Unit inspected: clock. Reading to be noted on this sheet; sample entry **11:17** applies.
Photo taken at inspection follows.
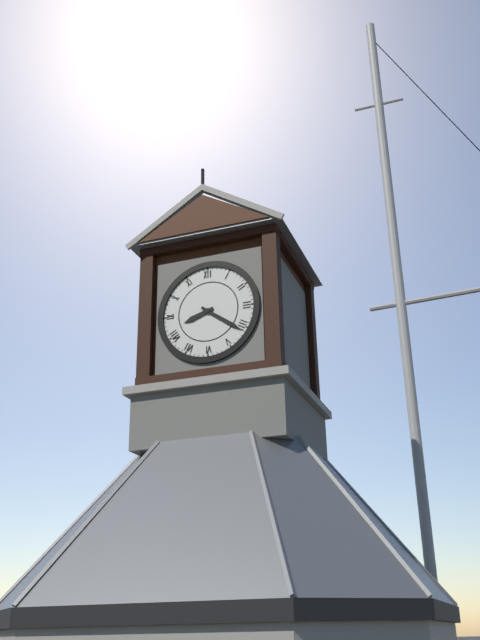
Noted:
**8:21**
